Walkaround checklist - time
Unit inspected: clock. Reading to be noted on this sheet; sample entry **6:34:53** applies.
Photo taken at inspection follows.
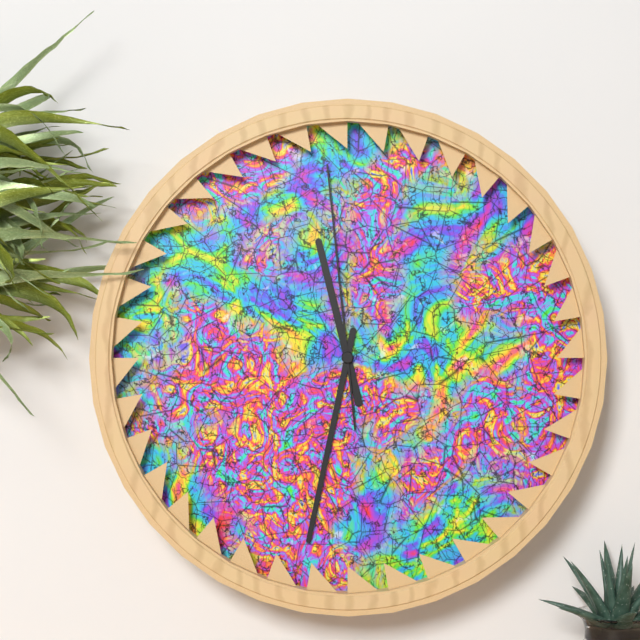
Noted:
**11:32:59**
